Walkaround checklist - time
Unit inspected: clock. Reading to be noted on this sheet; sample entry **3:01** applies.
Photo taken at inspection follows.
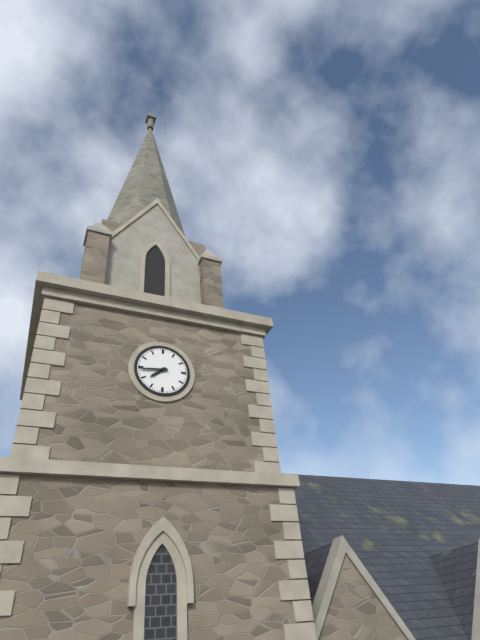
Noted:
**7:44**
